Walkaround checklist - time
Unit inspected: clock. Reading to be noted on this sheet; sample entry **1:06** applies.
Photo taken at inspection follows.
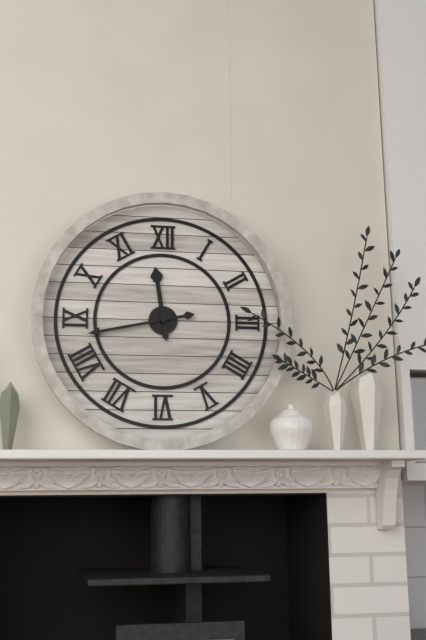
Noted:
**11:43**
